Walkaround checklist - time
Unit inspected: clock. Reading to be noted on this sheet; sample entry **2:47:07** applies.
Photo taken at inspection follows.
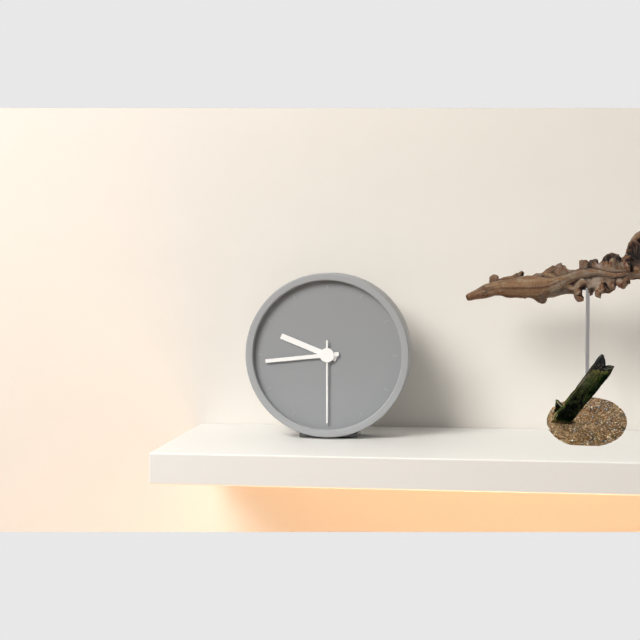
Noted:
**9:44:30**
